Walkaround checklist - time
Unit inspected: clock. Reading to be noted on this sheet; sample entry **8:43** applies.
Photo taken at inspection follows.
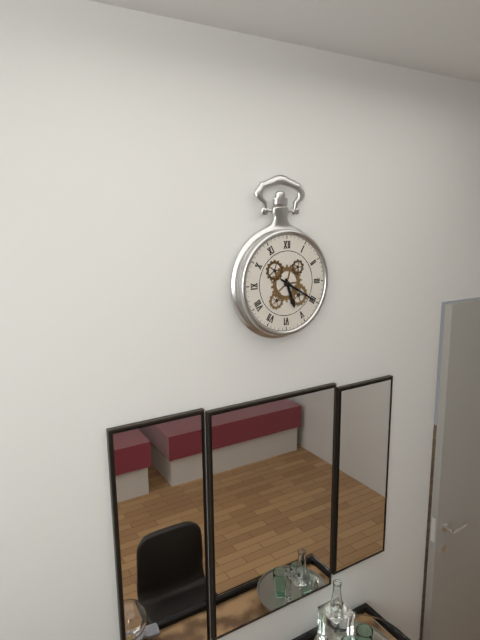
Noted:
**5:20**
